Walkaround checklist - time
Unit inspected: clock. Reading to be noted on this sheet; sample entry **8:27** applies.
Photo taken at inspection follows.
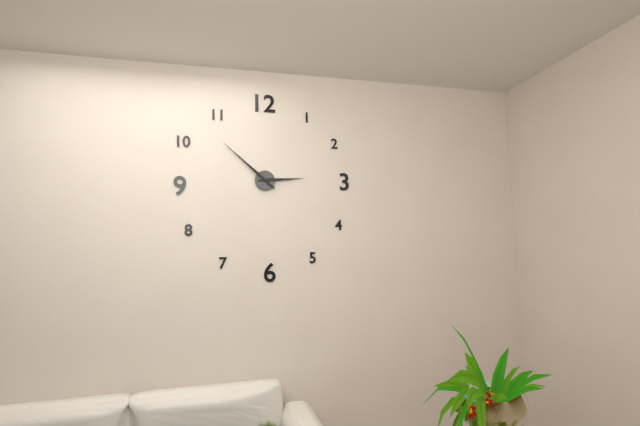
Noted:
**2:52**
